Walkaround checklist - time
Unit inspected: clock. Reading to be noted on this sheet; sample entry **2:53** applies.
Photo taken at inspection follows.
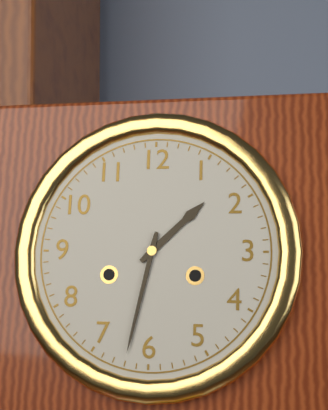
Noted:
**1:32**
